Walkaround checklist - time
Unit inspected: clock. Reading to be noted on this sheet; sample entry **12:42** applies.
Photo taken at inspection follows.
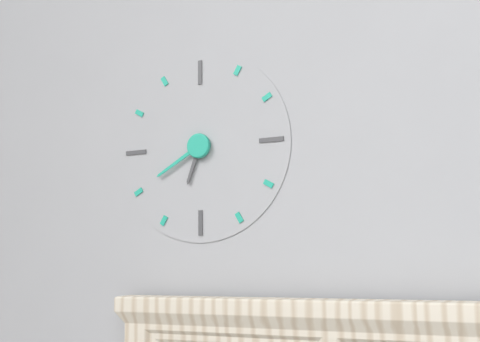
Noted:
**6:40**
